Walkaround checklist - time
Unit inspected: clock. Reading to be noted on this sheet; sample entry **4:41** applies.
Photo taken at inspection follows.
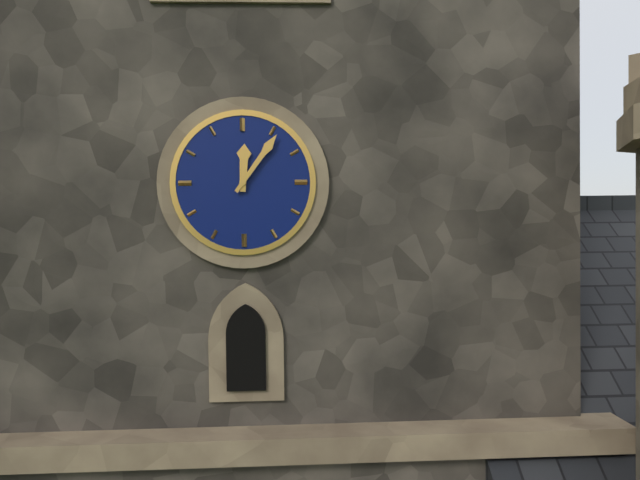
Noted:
**12:06**
